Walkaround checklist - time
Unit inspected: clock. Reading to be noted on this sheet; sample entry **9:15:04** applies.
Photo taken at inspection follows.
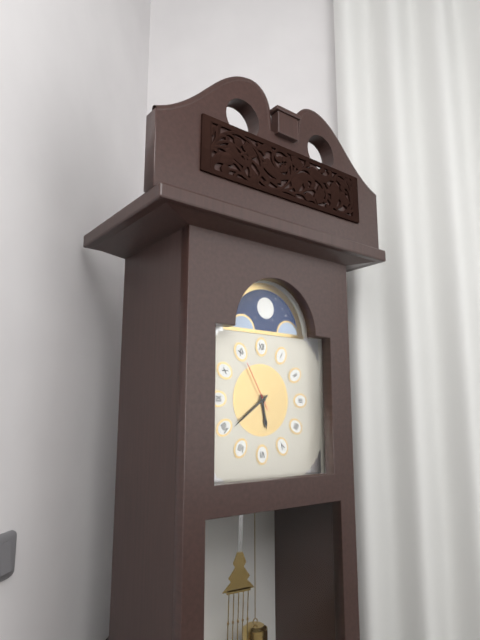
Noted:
**5:39:55**
